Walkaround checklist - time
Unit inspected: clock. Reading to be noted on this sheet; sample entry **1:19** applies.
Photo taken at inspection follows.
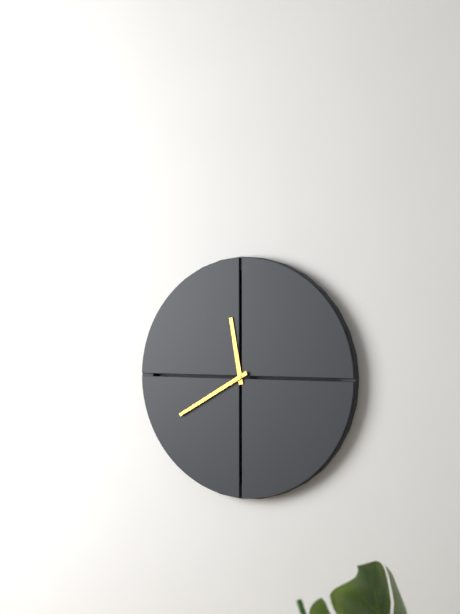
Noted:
**11:40**
